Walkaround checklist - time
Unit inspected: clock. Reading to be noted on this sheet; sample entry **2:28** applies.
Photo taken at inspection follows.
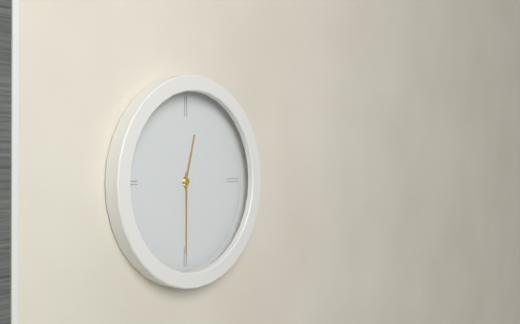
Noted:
**12:30**
